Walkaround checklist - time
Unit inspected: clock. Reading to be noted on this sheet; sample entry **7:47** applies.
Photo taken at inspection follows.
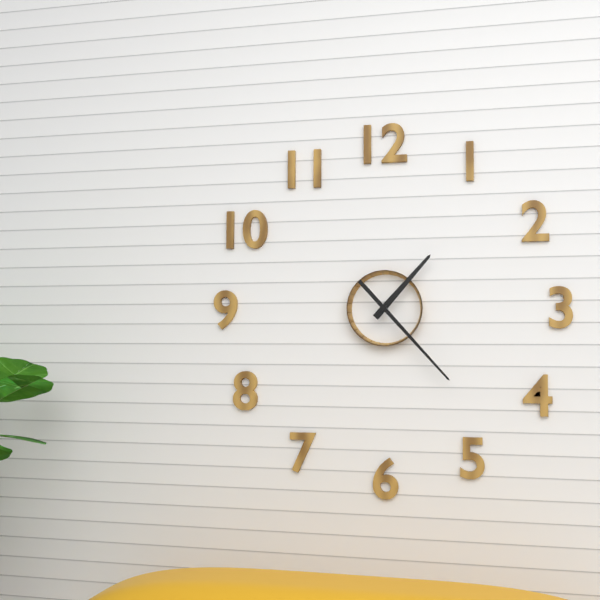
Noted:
**1:23**
